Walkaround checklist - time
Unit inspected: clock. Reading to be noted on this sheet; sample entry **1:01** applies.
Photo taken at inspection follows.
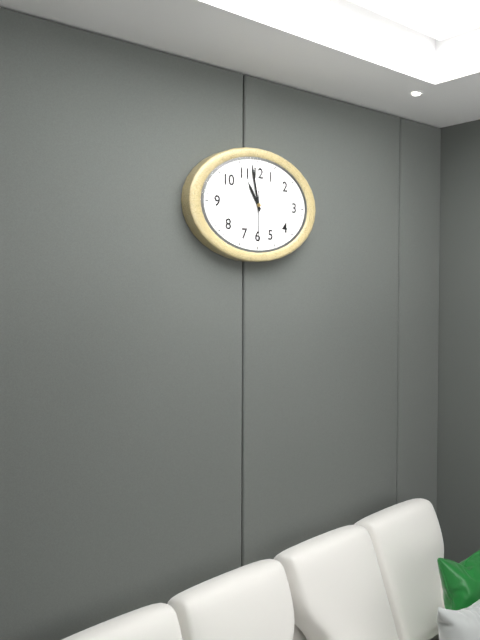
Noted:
**10:58**
